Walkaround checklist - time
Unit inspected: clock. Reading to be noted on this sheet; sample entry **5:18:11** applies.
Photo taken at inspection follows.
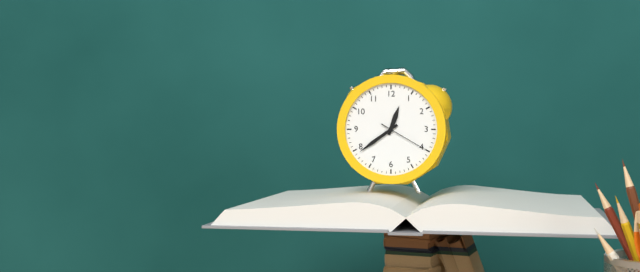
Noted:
**12:39:20**
